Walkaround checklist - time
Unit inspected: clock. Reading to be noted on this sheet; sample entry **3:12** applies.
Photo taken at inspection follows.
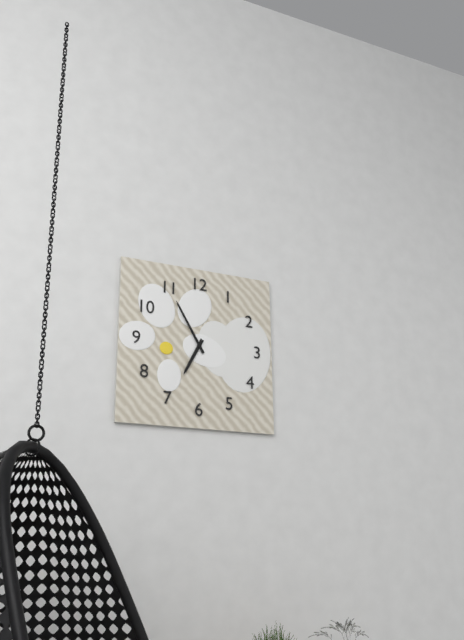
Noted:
**6:55**
